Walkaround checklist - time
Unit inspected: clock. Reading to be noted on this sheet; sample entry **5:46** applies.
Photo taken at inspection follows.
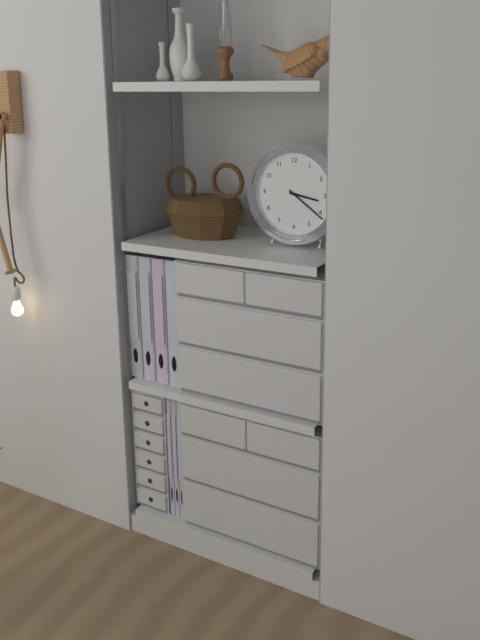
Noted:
**3:21**
